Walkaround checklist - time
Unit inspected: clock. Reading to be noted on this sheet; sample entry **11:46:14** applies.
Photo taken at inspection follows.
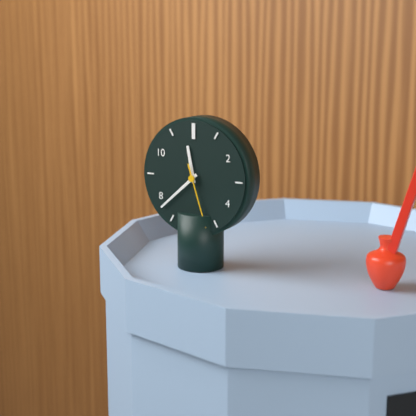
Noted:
**11:38:27**
